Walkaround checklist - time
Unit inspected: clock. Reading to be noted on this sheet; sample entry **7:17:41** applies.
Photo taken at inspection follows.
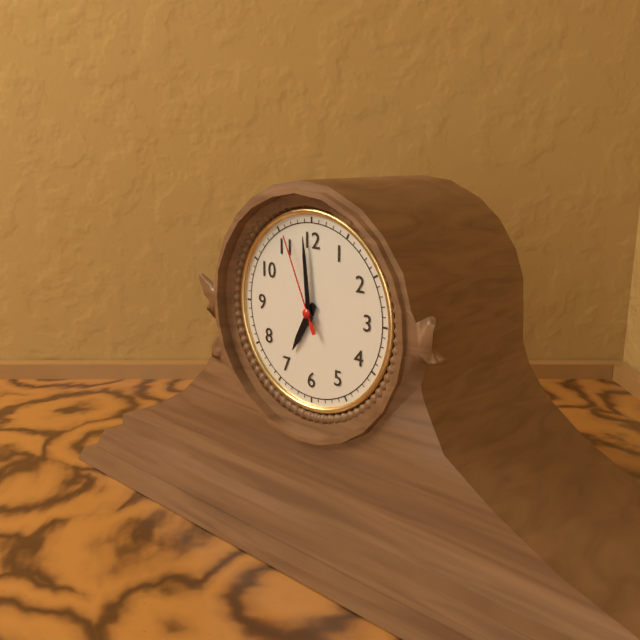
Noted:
**6:59:56**
